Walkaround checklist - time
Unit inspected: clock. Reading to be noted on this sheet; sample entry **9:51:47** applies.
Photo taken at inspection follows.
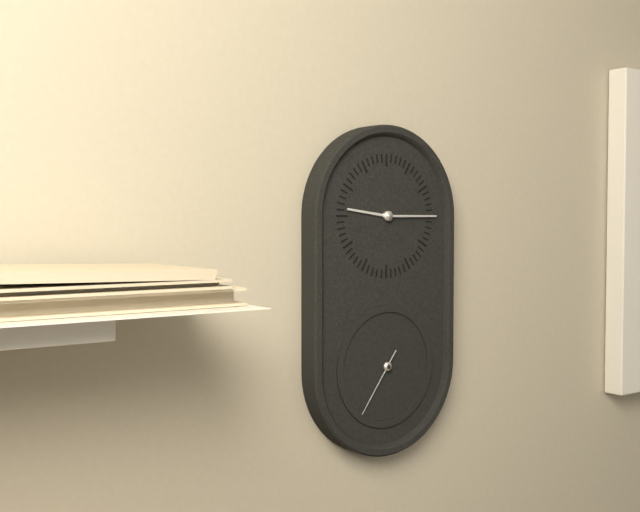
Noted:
**9:15:36**
